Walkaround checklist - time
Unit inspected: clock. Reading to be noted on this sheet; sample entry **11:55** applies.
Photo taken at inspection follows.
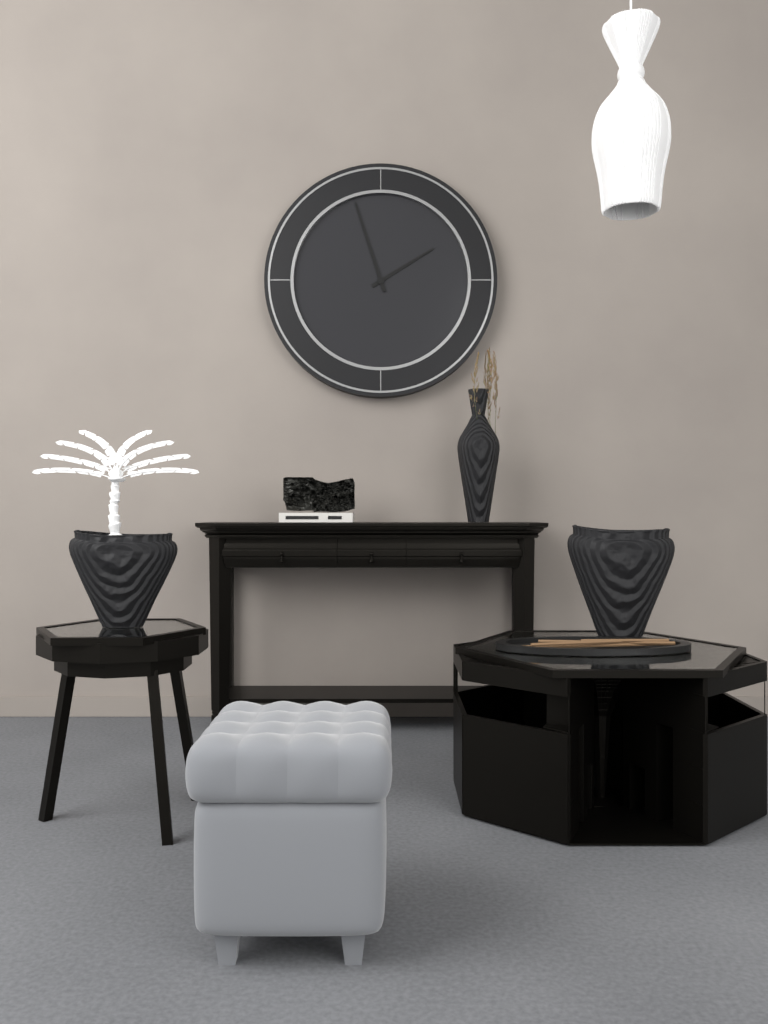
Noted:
**1:57**
